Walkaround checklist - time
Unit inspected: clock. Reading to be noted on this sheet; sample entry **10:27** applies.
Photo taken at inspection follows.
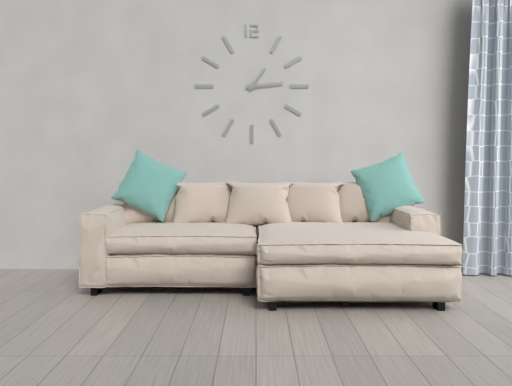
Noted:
**1:14**
